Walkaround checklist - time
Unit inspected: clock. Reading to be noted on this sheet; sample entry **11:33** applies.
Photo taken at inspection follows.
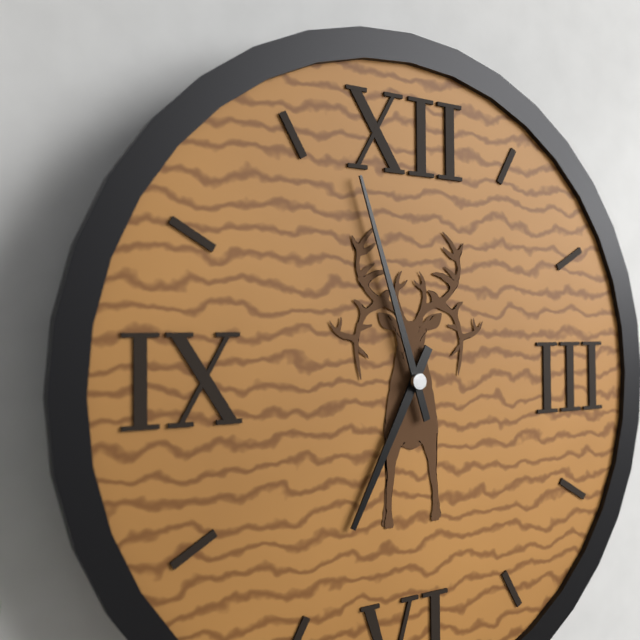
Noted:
**6:57**
